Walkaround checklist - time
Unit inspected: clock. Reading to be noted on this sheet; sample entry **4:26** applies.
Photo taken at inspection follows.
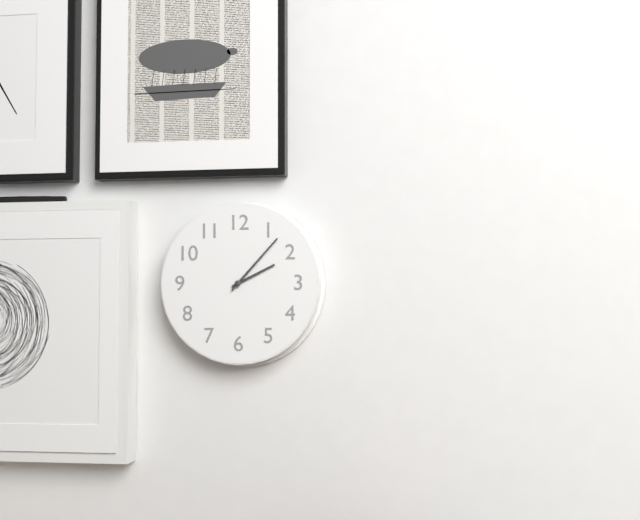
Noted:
**2:07**
